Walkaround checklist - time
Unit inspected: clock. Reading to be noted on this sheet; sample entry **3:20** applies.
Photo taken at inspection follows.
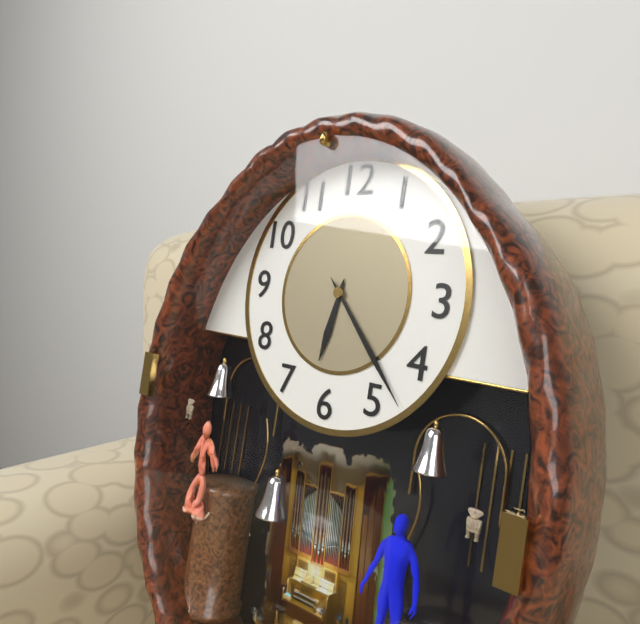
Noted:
**6:23**
